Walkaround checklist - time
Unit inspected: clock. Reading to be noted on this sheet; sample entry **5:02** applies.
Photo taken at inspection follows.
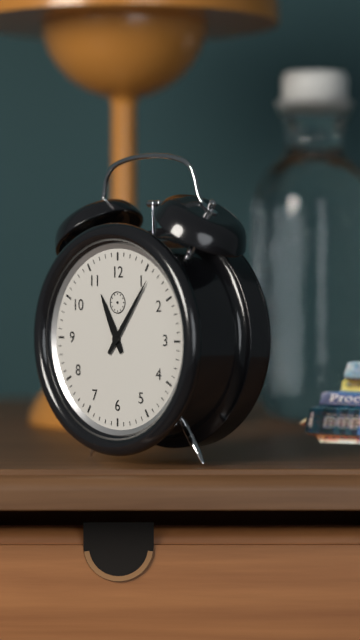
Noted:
**11:06**
